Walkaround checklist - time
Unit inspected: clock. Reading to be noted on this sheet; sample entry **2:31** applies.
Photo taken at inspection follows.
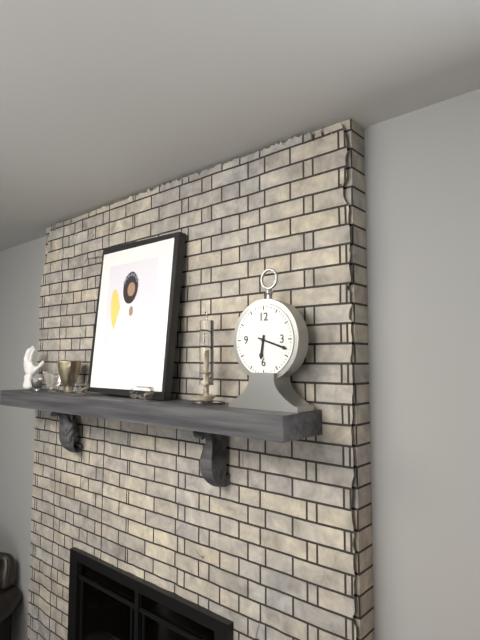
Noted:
**6:18**
